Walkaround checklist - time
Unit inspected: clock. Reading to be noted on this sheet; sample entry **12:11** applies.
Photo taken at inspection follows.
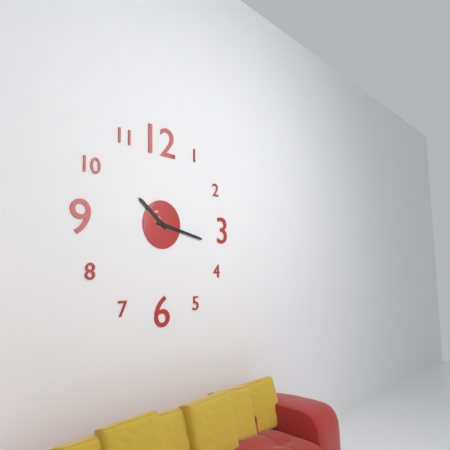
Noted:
**10:17**
